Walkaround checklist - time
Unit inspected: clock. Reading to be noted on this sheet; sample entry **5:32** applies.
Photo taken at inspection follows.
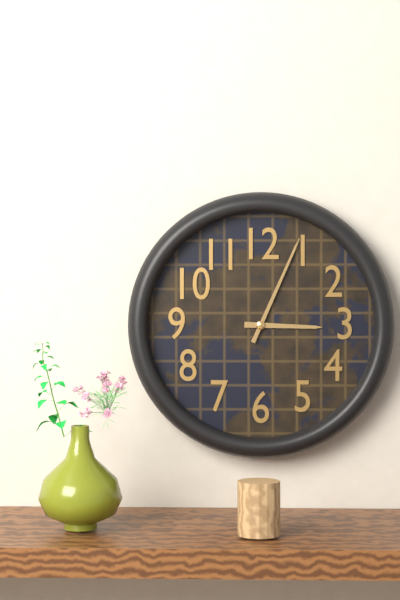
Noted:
**3:04**
